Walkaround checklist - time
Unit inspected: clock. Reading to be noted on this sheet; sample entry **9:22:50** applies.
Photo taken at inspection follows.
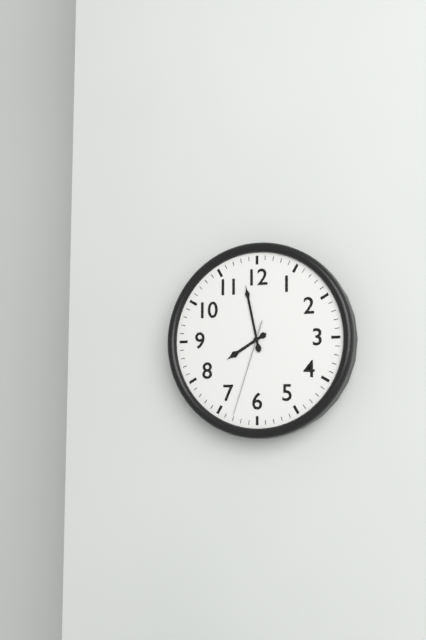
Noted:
**7:58:33**
